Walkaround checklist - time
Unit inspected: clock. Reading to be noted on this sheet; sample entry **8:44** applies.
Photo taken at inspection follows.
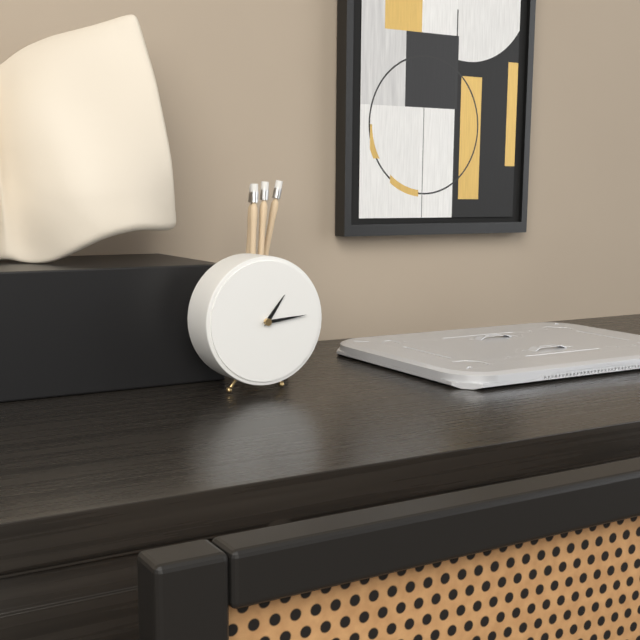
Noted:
**1:14**
